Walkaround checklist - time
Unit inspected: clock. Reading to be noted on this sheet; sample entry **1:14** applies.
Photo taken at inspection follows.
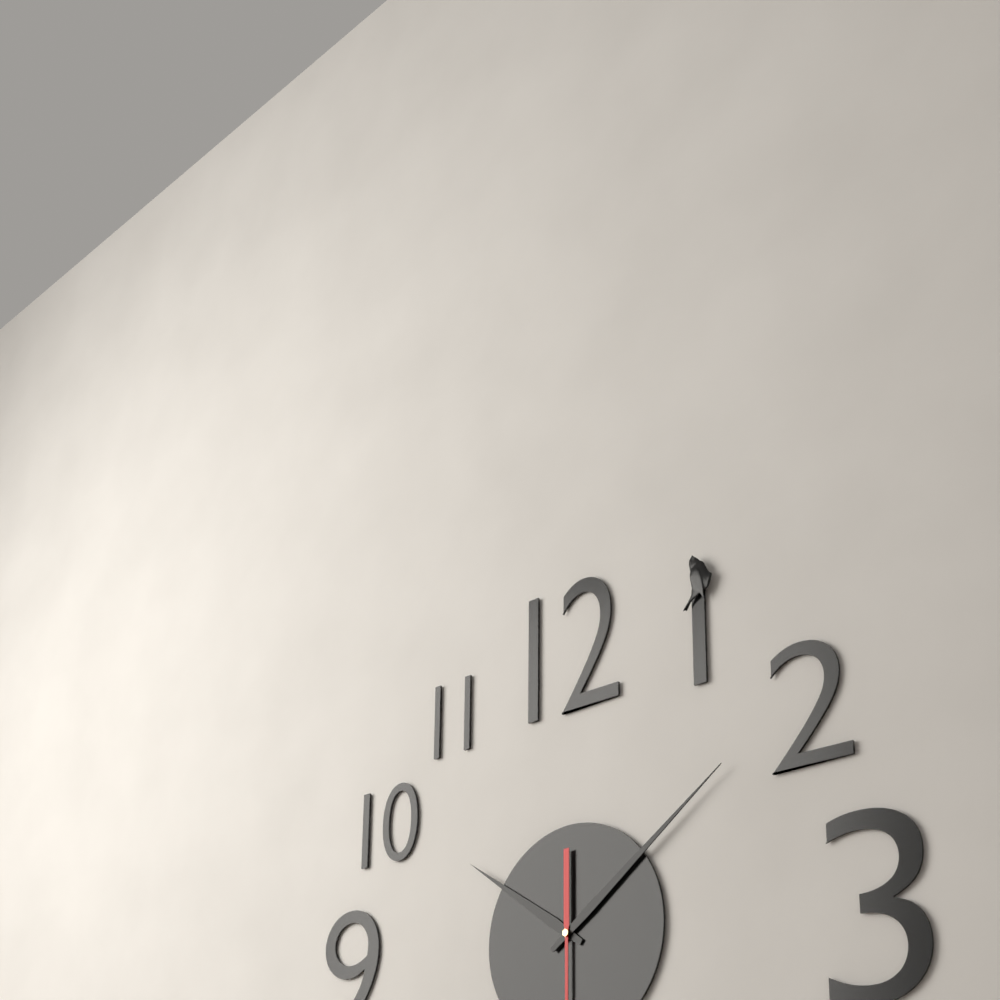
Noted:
**10:09**
